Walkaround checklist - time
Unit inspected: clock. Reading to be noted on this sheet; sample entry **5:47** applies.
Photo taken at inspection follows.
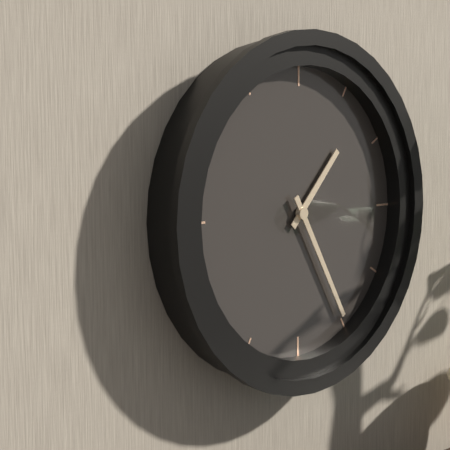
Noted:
**1:25**
